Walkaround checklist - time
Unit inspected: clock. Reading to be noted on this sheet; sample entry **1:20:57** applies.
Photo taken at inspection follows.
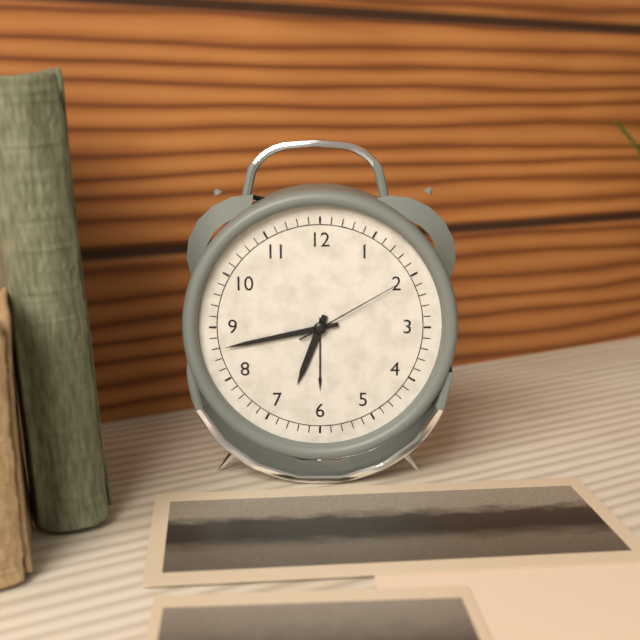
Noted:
**6:43:10**
